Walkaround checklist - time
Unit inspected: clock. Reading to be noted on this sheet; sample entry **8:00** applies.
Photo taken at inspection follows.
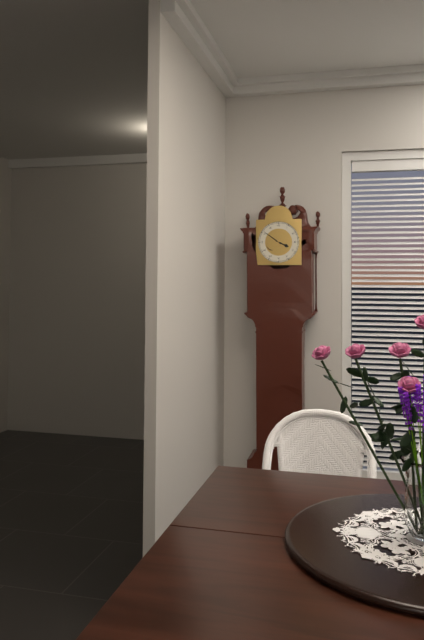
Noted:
**3:51**
